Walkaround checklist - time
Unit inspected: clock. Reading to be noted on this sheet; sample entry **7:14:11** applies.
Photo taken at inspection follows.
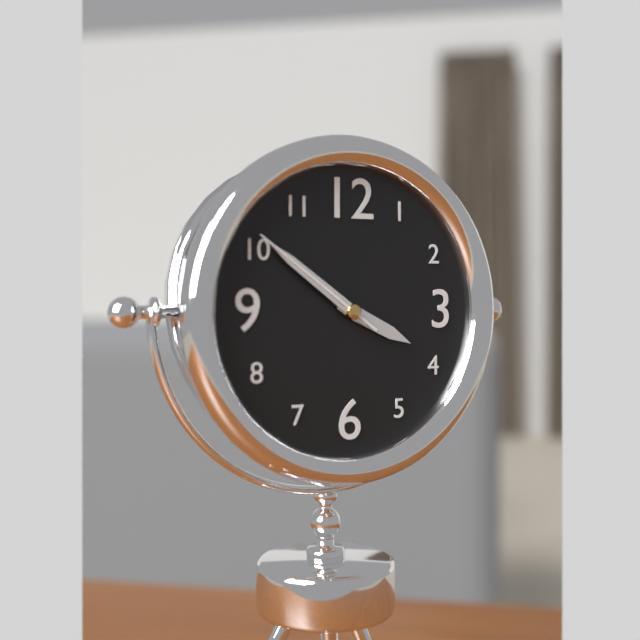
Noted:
**3:51:51**
